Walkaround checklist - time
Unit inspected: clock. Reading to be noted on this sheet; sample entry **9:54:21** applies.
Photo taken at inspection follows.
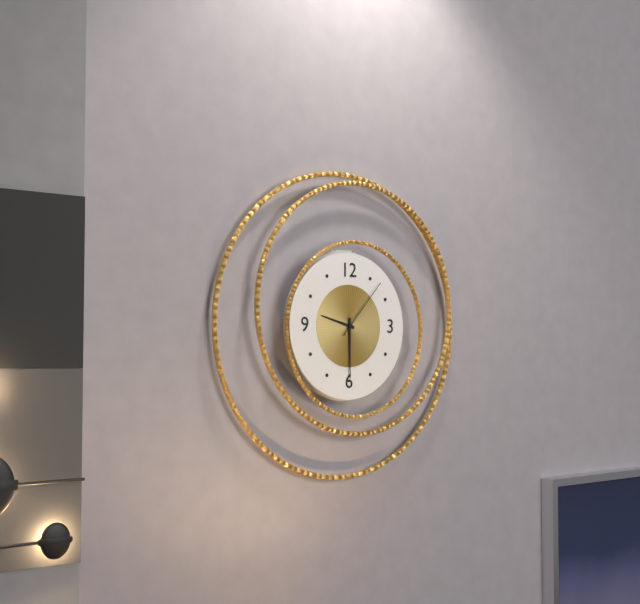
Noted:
**9:30:07**
